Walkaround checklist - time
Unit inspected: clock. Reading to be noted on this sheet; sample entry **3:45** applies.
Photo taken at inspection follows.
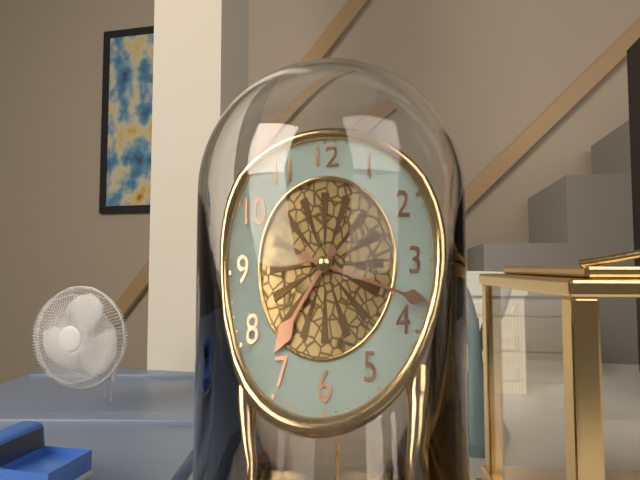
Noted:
**7:18**
